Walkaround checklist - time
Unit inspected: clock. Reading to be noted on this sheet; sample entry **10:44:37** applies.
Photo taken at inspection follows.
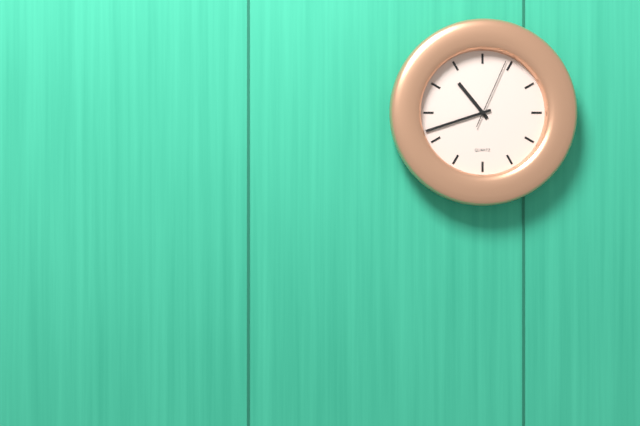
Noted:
**10:42:04**
